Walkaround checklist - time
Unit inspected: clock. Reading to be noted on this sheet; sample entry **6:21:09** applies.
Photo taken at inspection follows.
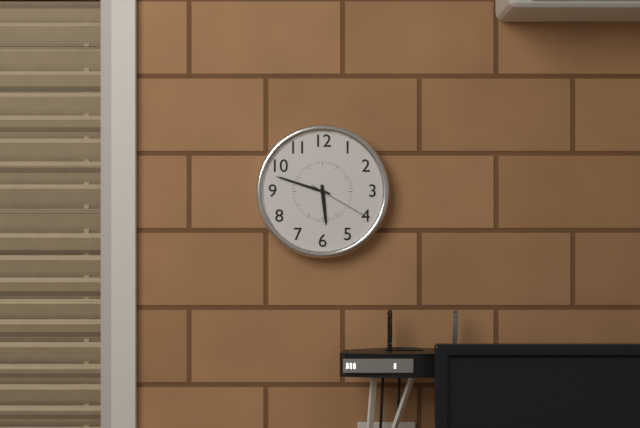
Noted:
**5:48:20**
